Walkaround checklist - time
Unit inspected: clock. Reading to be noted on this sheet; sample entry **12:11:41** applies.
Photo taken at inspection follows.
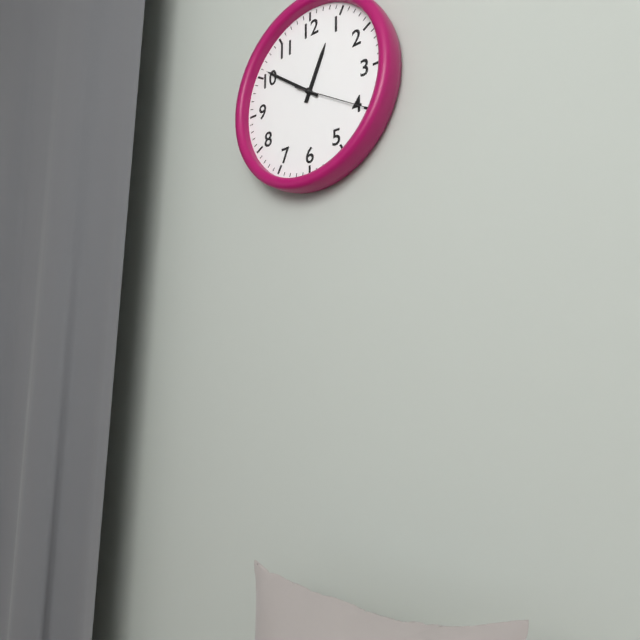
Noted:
**12:51:20**
